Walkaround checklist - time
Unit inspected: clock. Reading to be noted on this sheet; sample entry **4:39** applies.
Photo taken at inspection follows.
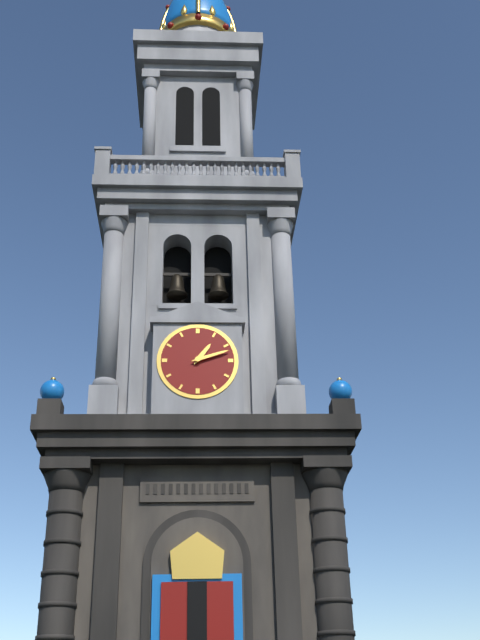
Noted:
**1:12**
